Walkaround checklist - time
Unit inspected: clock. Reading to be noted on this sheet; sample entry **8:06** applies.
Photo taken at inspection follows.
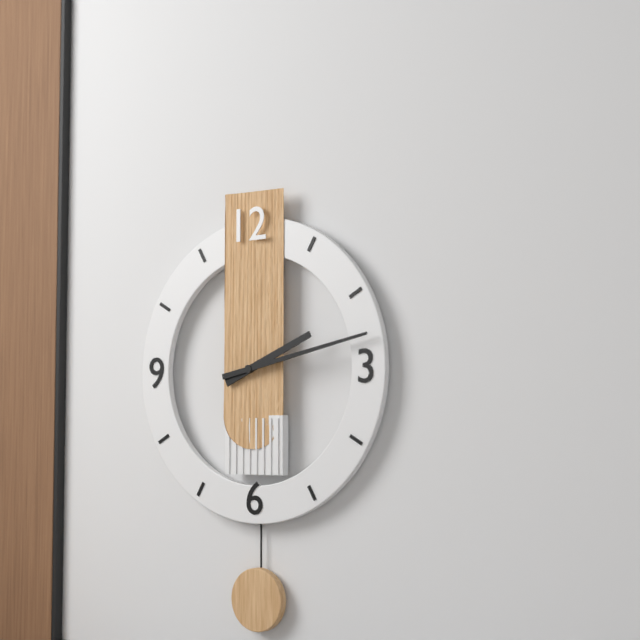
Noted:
**2:13**
